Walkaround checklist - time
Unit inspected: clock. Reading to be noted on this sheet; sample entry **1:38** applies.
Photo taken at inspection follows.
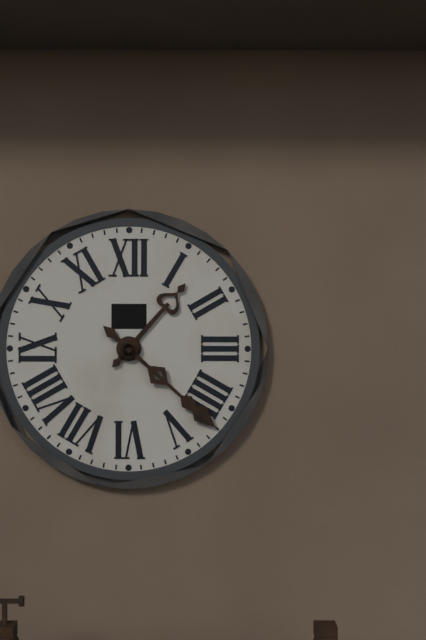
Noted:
**1:22**
